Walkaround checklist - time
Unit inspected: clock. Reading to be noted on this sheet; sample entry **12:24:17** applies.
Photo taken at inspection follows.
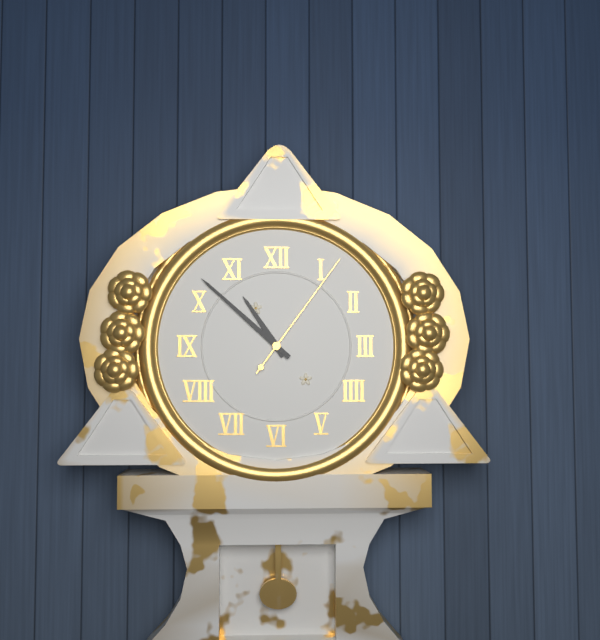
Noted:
**10:52:06**
